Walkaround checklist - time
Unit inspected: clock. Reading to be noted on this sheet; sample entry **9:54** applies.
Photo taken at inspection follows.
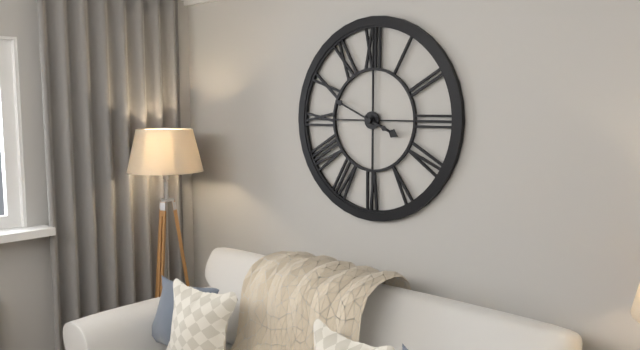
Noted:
**3:49**
